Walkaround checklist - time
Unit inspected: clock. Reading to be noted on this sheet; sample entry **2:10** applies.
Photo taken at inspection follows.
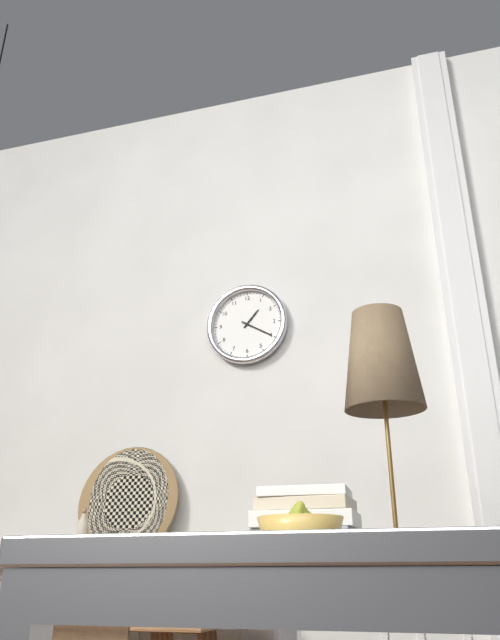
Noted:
**1:20**
